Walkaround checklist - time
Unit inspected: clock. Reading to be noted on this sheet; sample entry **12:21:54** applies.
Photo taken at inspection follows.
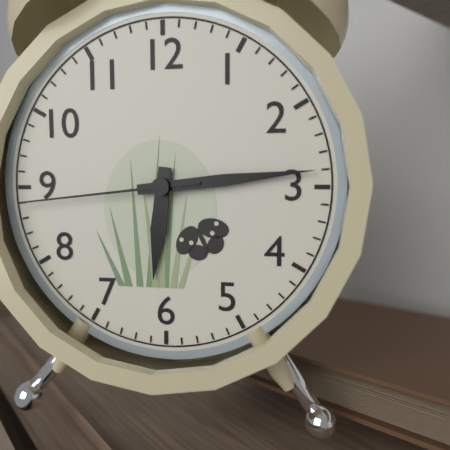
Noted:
**6:14:44**
